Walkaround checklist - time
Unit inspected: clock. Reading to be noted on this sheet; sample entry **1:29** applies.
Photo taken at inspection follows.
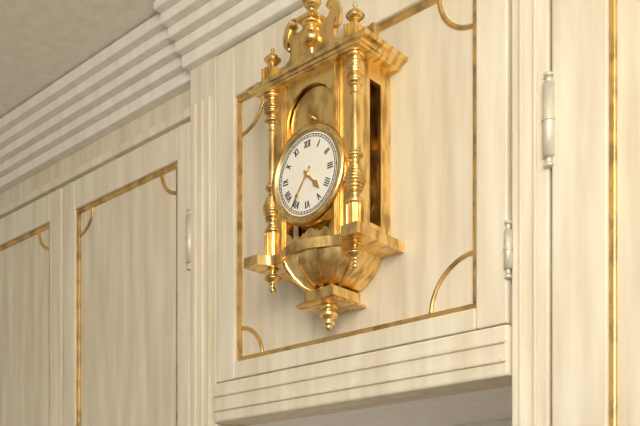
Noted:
**4:36**
